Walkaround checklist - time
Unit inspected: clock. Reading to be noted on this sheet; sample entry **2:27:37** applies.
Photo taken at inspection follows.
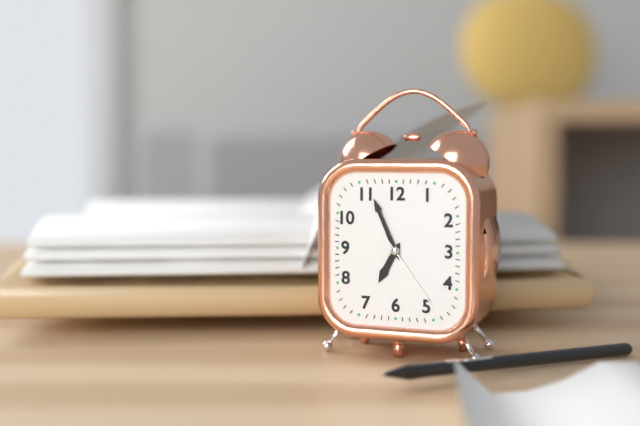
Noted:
**6:56:24**
